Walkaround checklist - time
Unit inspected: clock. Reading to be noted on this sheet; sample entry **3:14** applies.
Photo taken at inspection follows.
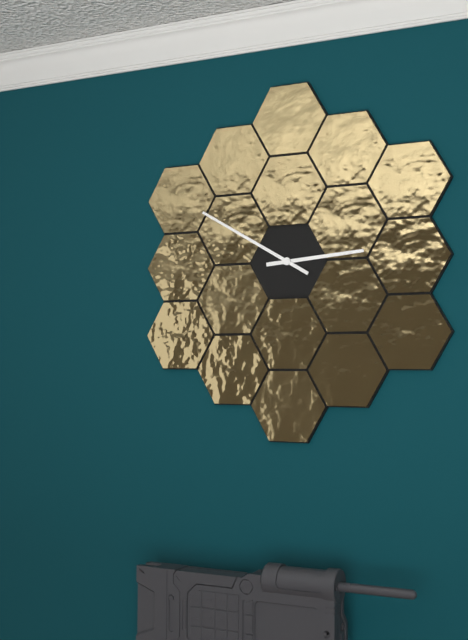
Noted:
**2:50**
